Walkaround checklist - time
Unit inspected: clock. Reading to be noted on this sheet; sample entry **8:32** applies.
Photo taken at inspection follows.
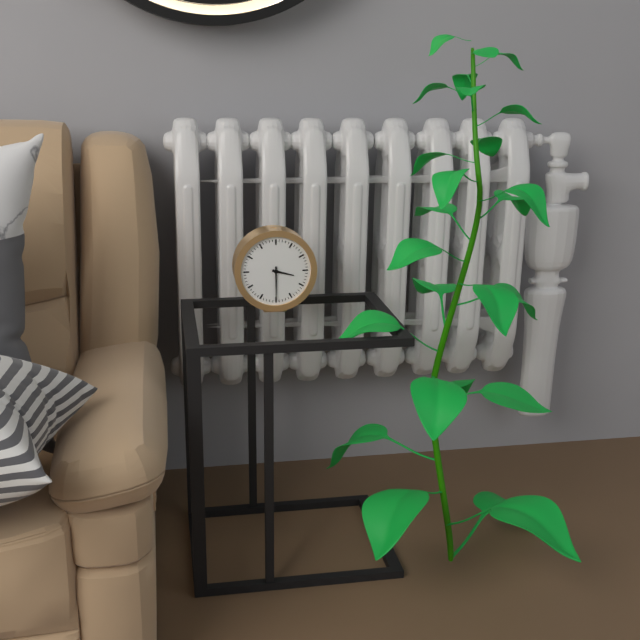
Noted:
**3:30**
